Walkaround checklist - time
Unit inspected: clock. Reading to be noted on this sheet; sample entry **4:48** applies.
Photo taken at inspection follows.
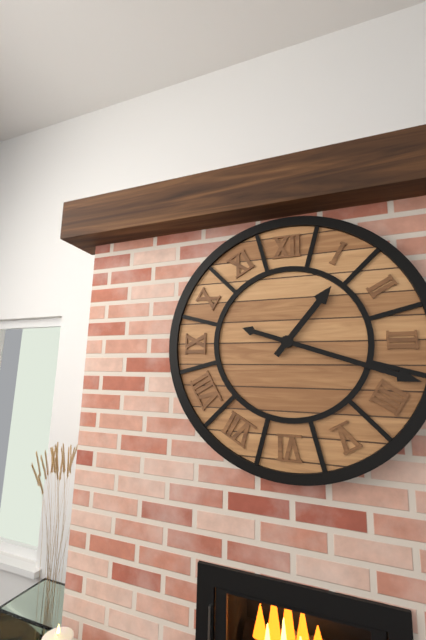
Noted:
**1:18**
